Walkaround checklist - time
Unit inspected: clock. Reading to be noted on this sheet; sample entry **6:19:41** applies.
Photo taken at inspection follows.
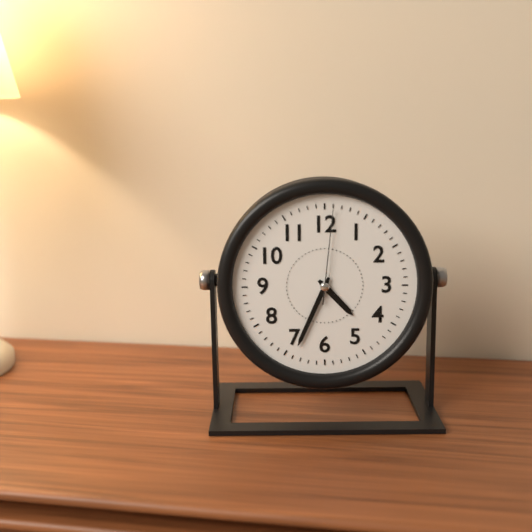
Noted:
**4:34:01**
